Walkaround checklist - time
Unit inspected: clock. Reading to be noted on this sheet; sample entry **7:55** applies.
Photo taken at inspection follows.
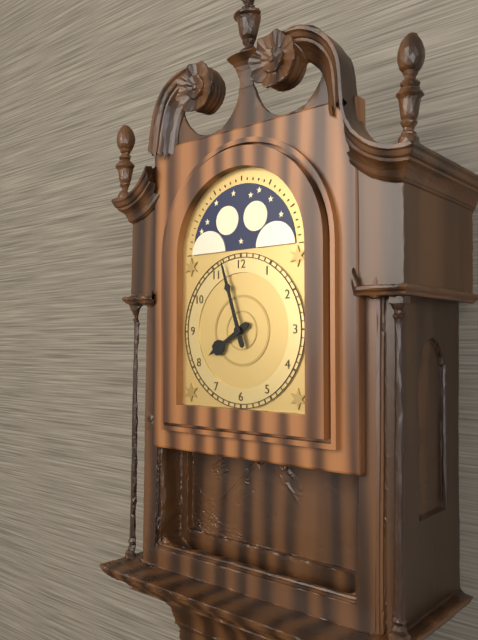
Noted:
**7:57**
